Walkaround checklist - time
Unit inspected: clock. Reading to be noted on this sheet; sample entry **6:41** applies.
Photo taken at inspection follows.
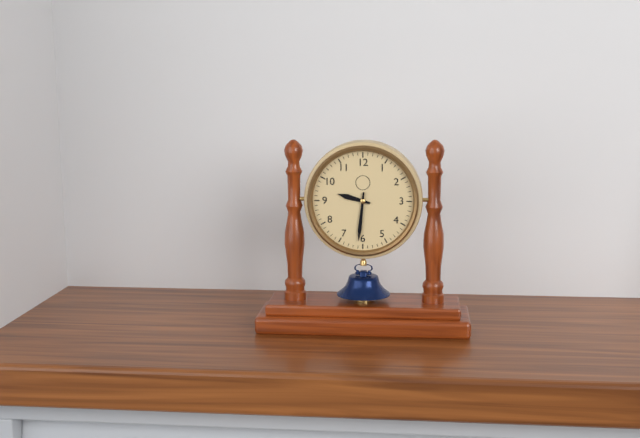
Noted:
**9:31**
